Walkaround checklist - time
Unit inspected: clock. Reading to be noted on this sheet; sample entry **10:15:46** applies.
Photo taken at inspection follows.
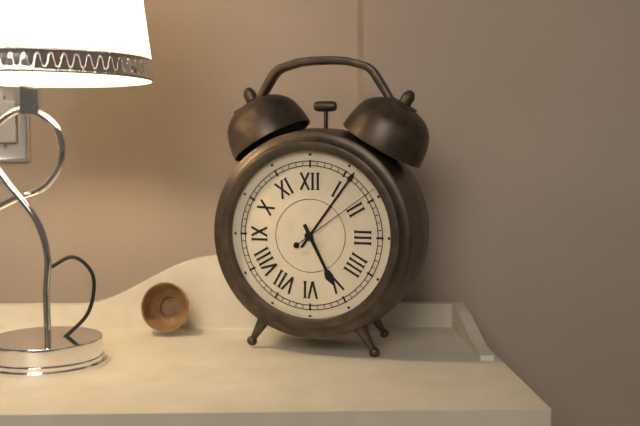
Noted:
**5:06:09**
